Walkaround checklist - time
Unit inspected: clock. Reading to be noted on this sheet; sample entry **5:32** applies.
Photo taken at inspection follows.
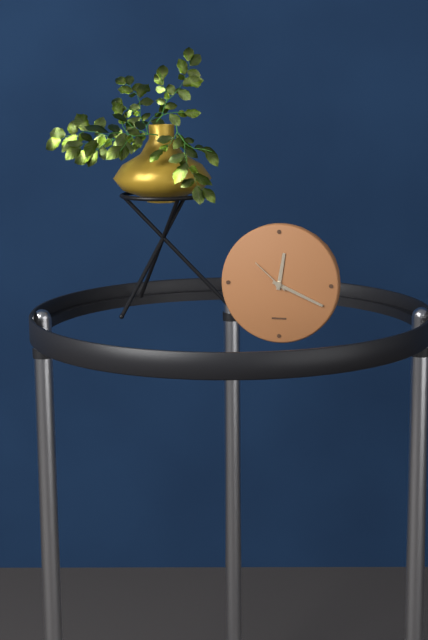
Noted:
**12:19**
